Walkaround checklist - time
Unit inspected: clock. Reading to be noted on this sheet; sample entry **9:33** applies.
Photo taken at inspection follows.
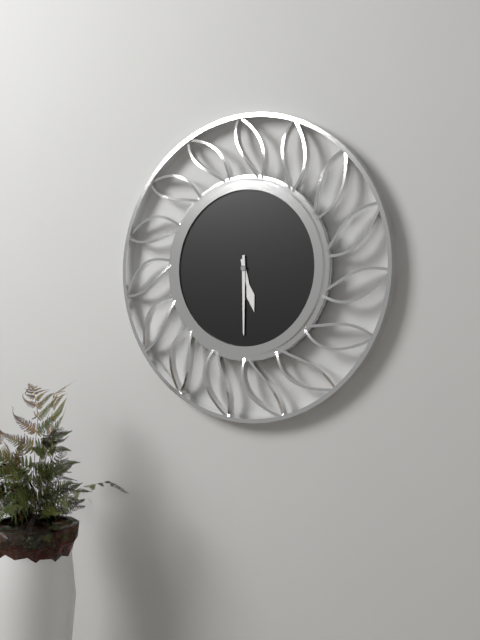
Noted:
**5:30**
